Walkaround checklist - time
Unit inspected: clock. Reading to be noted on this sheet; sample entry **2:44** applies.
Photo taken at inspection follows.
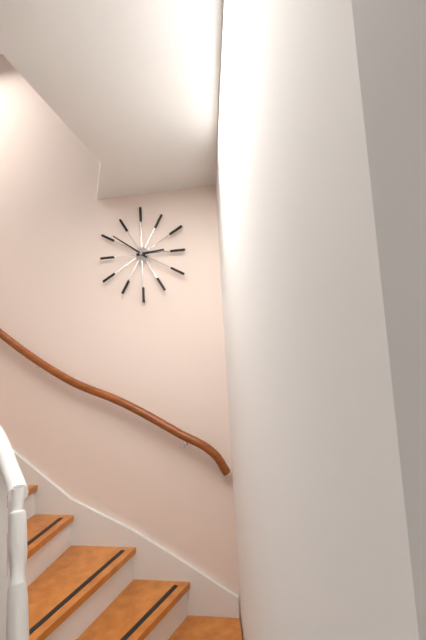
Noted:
**2:51**
